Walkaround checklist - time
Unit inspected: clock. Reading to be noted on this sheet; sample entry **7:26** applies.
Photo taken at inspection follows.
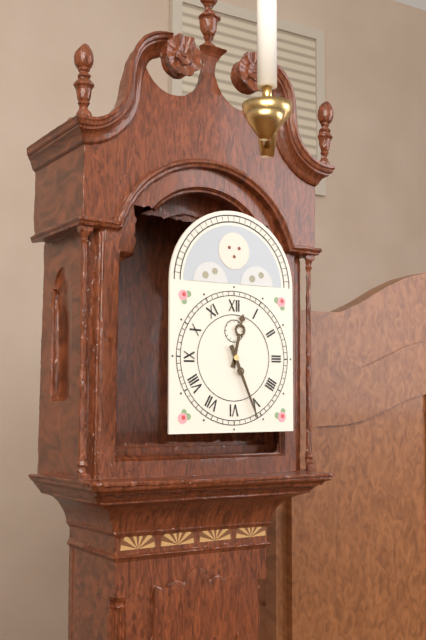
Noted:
**12:26**
